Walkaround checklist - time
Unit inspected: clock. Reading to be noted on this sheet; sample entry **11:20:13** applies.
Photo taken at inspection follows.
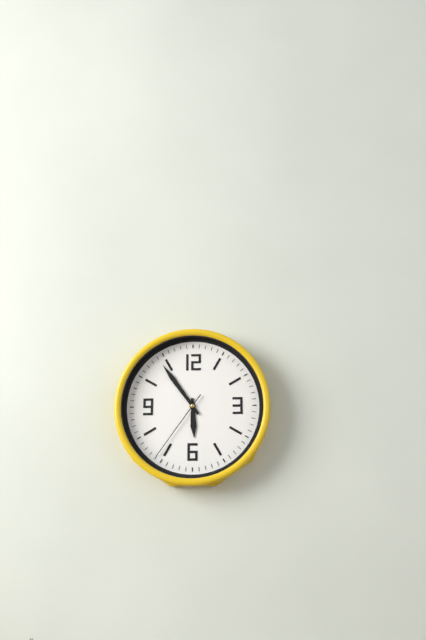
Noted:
**5:54:36**
